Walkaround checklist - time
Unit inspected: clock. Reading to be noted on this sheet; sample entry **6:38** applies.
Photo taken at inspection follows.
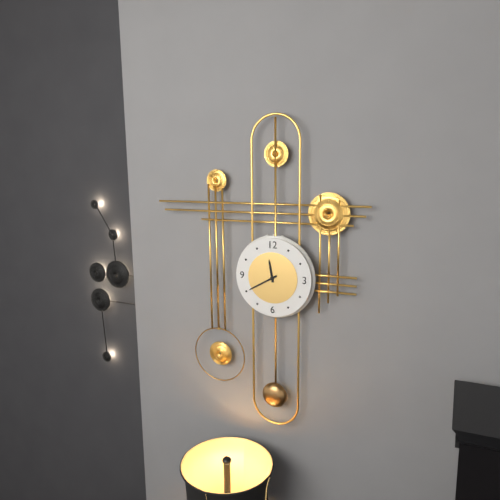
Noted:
**11:40**
